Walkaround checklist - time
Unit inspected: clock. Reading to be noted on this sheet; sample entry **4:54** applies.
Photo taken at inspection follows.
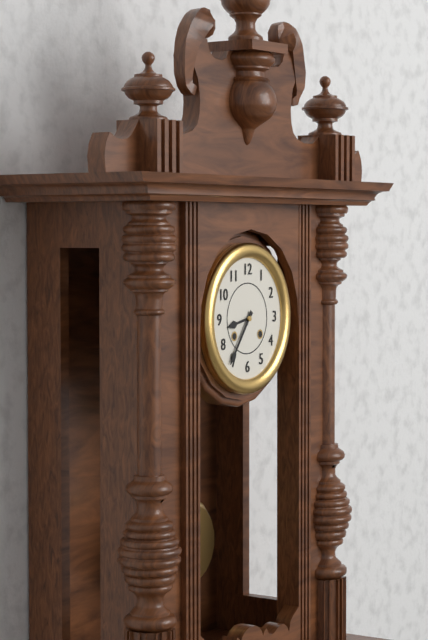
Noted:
**8:36**
